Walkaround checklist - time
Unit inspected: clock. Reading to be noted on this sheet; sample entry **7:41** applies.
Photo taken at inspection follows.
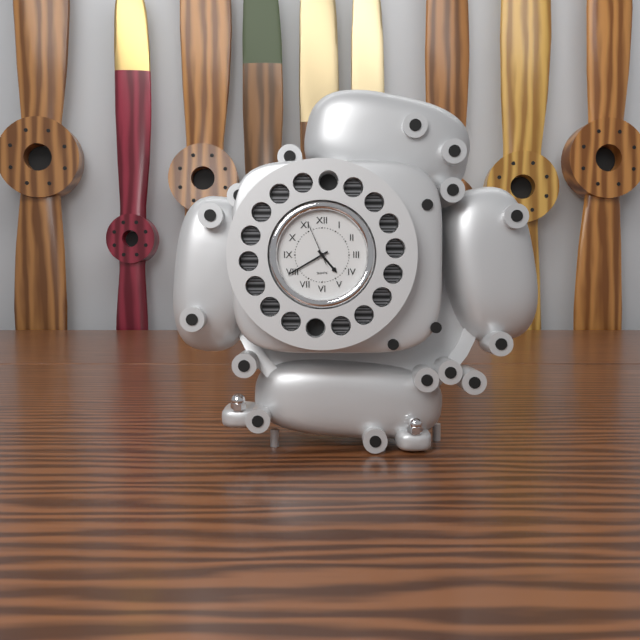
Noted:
**4:40**
